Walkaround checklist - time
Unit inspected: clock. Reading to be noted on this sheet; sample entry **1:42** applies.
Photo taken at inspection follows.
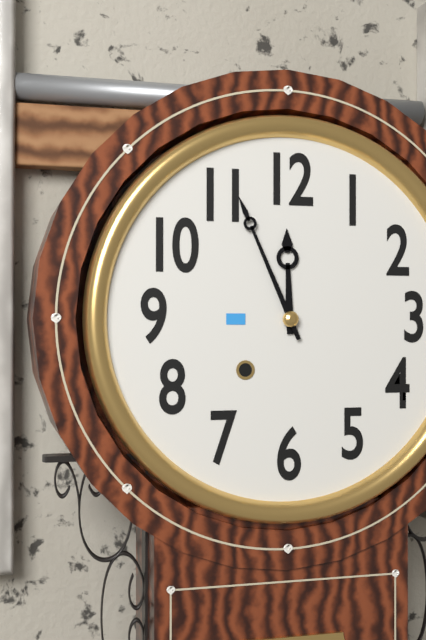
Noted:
**11:56**
